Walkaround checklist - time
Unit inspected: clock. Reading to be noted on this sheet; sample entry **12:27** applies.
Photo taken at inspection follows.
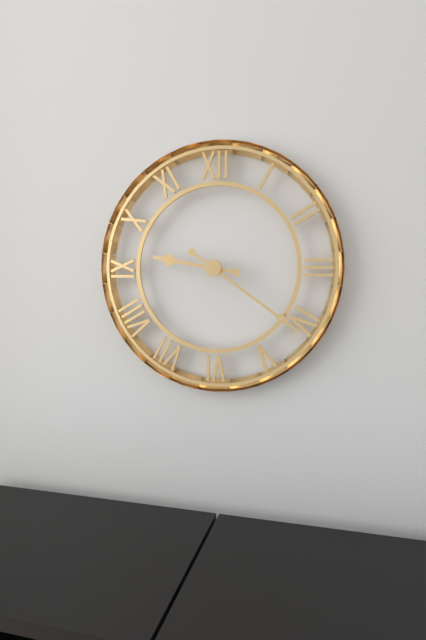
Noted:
**9:21**
